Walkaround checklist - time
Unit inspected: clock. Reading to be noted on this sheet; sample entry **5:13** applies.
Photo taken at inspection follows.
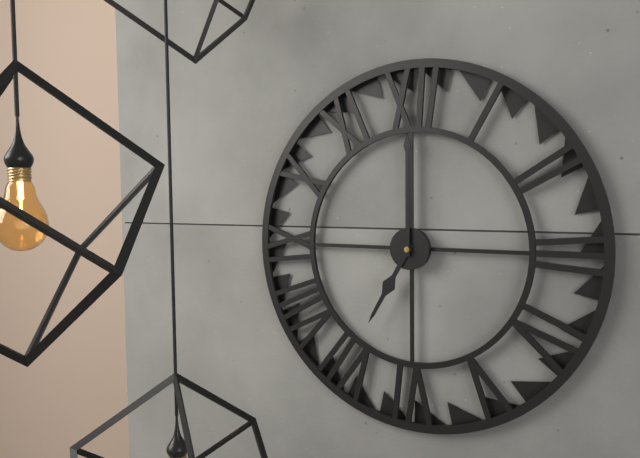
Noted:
**7:00**
